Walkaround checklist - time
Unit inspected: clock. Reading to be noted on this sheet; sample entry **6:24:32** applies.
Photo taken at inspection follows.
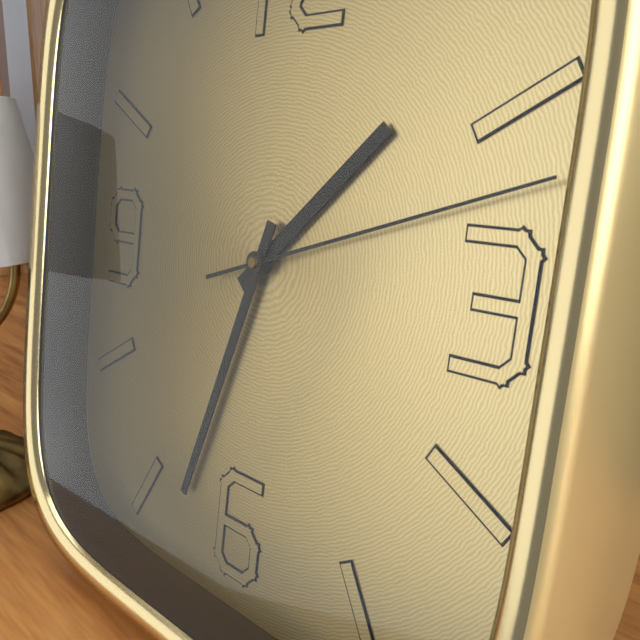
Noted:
**1:33:12**
